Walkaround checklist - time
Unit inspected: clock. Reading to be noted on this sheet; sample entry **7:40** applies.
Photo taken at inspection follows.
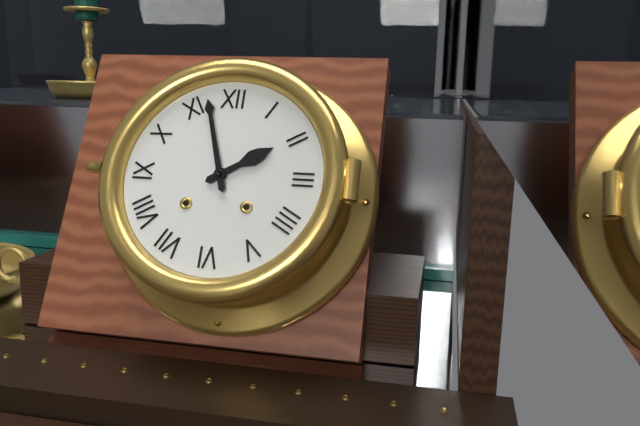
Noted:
**1:57**
